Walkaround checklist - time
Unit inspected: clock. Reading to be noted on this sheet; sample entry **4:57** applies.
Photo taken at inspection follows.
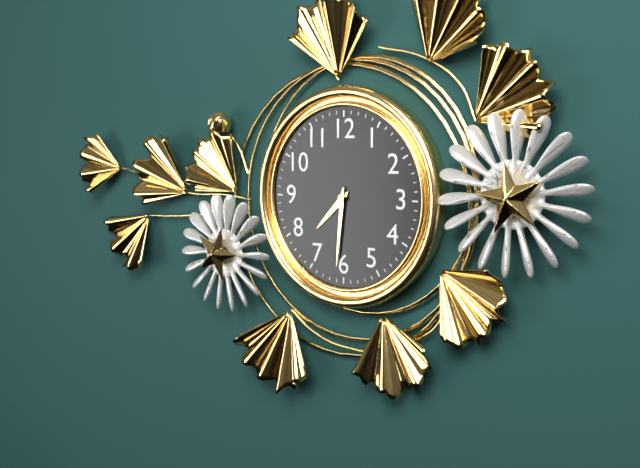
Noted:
**7:31**
